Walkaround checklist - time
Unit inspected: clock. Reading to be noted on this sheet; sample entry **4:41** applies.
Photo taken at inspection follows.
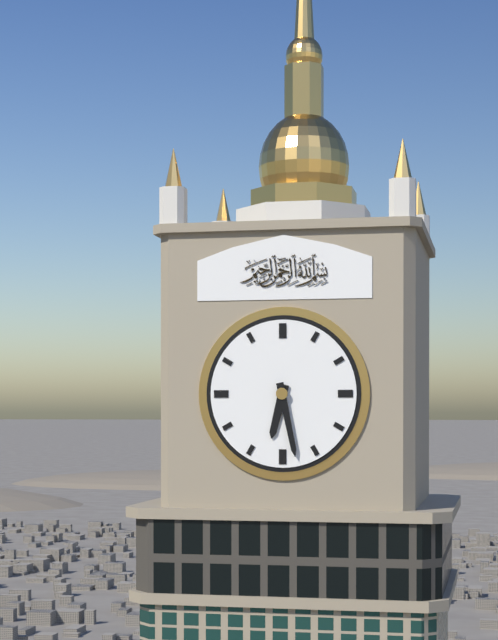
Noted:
**6:28**
